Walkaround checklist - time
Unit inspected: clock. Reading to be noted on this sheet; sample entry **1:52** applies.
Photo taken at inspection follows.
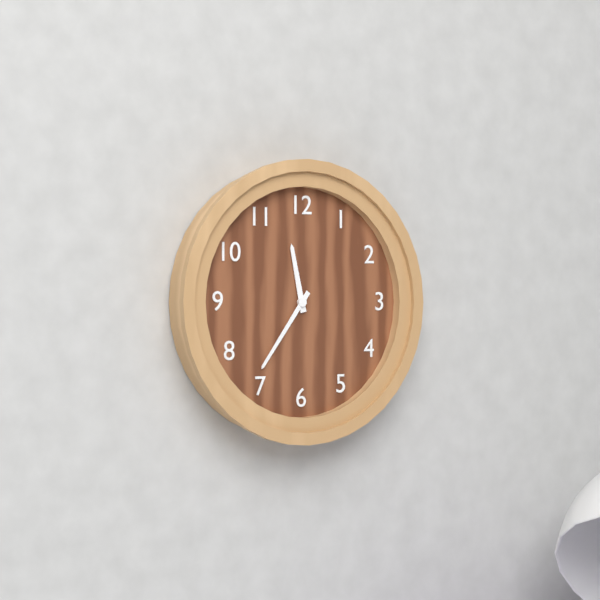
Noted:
**11:36**
